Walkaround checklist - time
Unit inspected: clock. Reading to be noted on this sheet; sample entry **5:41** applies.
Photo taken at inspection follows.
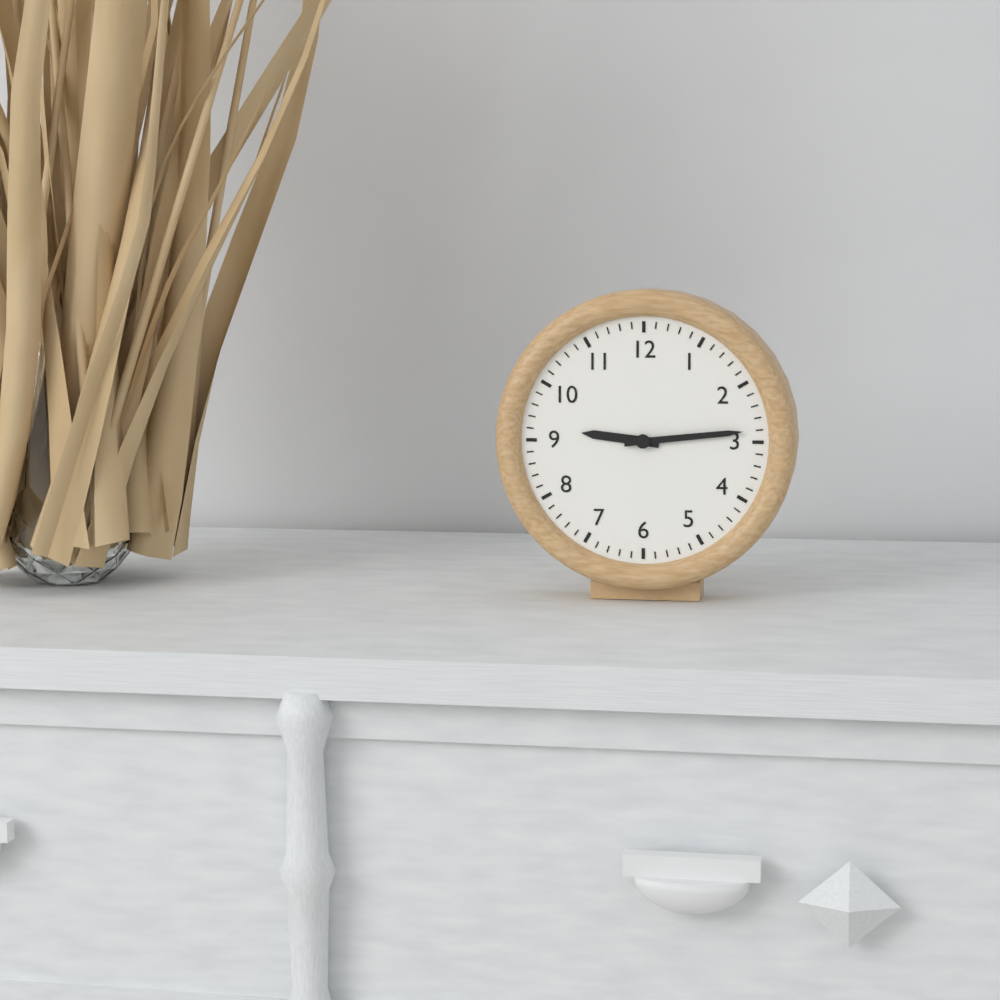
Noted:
**9:14**
